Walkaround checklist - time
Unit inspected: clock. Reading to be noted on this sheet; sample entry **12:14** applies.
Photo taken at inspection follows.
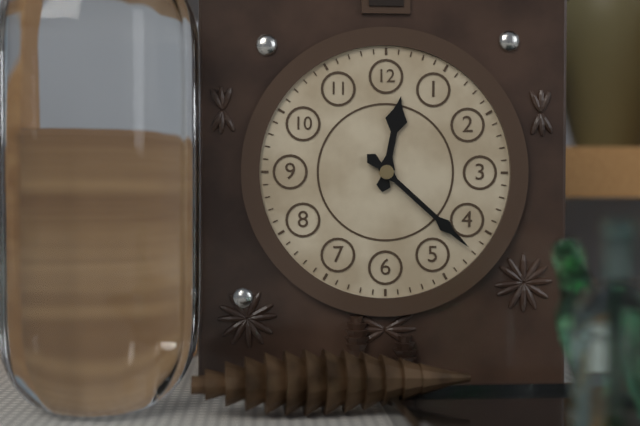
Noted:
**12:22**
